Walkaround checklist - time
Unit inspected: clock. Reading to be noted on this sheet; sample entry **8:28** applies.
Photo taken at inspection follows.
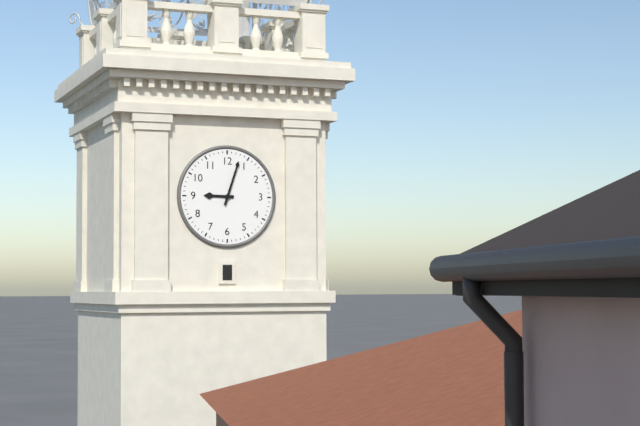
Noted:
**9:03**
